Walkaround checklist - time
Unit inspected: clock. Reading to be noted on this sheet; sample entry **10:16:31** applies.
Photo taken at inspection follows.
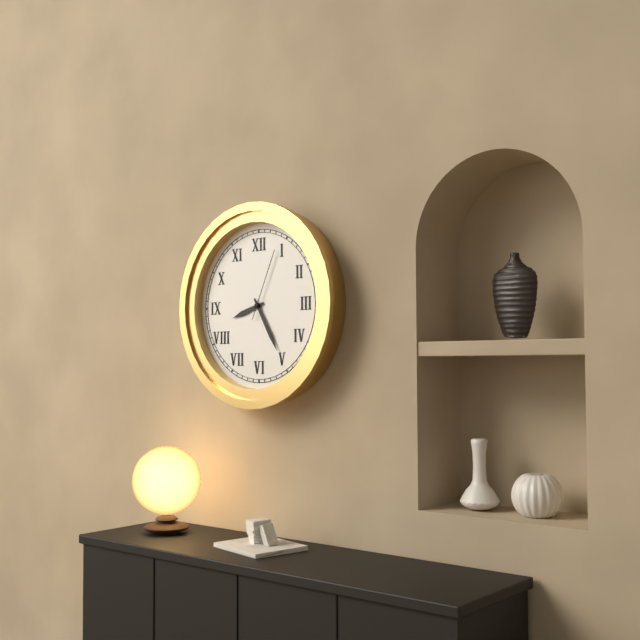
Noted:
**8:25:04**
